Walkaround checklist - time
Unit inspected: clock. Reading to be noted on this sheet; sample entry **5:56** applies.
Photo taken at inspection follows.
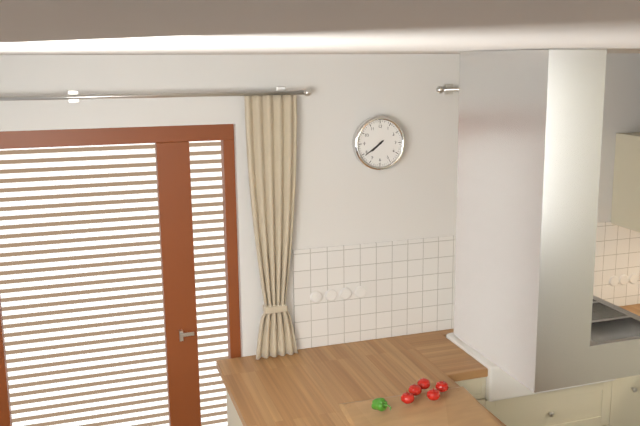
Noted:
**7:39**
